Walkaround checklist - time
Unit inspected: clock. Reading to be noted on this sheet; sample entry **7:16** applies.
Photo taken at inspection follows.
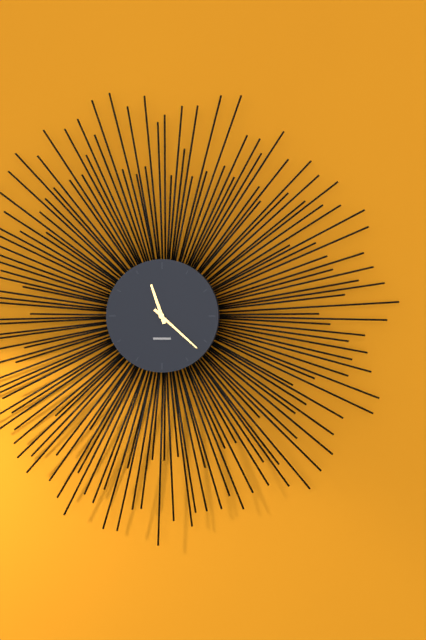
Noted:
**11:22**
